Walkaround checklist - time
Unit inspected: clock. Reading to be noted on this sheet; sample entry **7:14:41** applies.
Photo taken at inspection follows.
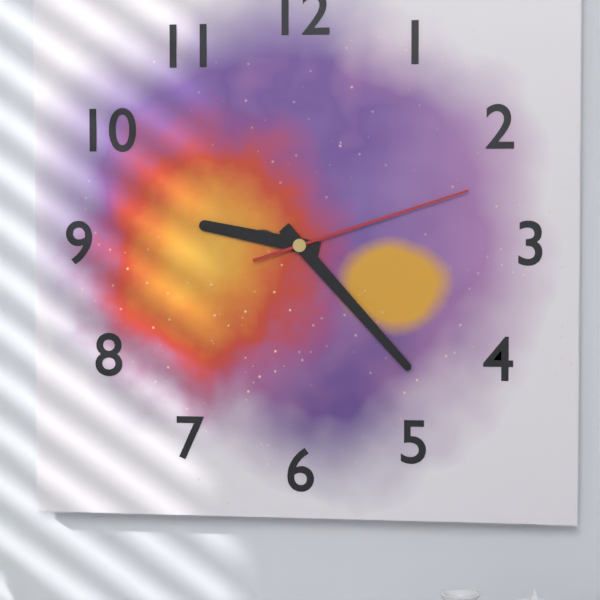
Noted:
**9:23:12**
